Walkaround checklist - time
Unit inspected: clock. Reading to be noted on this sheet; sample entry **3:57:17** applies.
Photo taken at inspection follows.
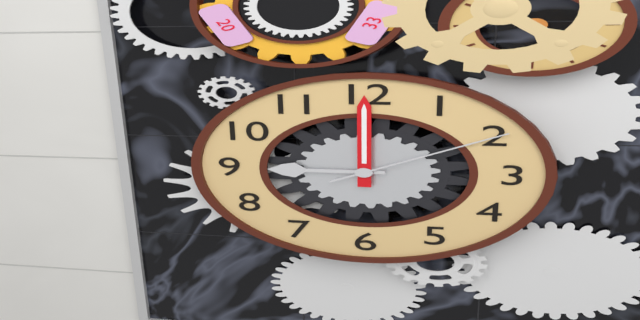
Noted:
**9:00:10**
